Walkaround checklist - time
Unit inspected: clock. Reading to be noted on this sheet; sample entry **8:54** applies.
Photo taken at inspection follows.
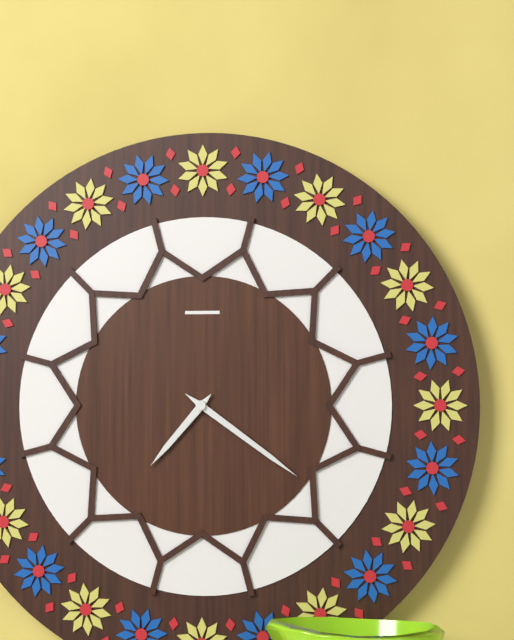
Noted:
**7:21**
